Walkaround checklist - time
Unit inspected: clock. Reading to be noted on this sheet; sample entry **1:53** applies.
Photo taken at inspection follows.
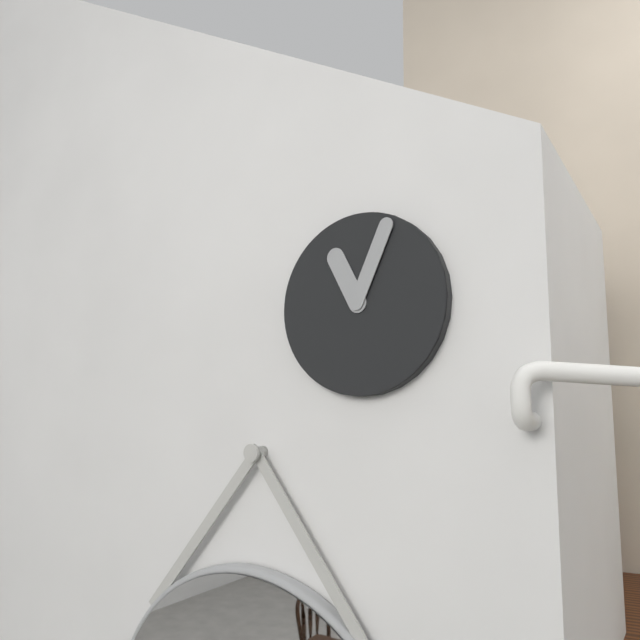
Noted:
**11:04**
